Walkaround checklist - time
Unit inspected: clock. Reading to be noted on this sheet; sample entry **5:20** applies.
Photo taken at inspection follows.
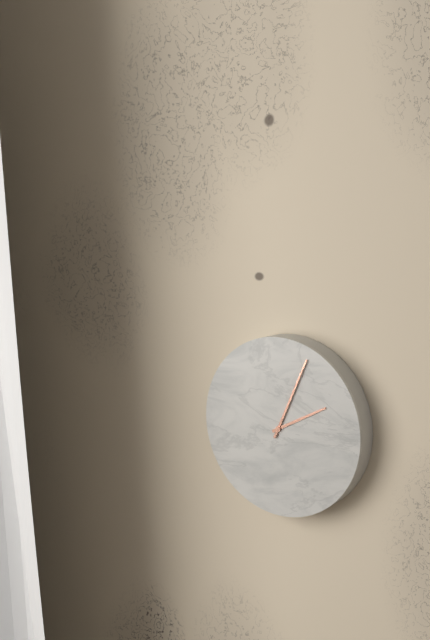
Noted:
**2:04**
